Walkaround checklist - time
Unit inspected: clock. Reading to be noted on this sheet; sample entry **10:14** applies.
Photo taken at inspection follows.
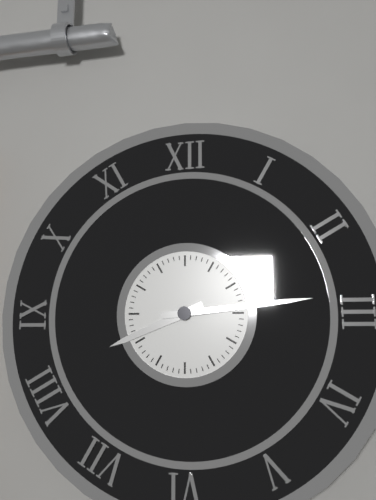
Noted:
**8:14**
